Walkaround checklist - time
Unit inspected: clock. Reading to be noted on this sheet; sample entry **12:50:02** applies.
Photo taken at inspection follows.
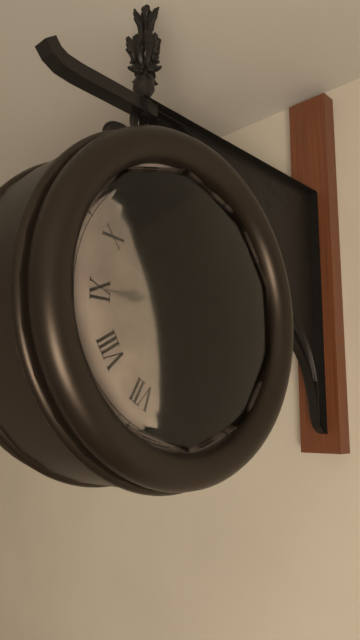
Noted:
**2:45:26**
